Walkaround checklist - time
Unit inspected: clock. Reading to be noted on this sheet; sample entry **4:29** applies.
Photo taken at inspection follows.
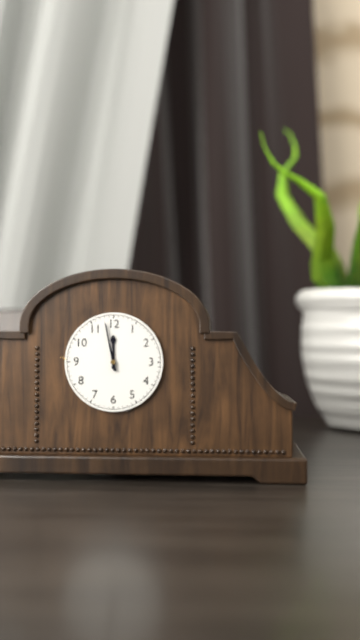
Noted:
**11:58**
